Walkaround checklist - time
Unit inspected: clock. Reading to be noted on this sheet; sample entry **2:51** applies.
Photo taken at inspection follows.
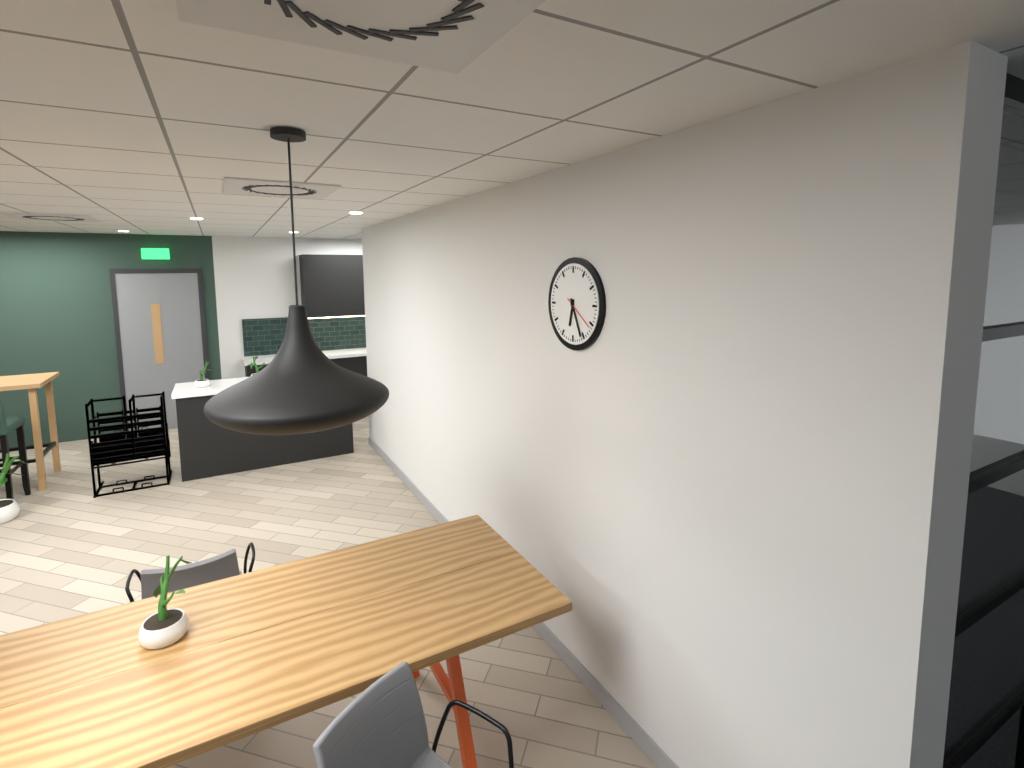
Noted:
**6:26**
